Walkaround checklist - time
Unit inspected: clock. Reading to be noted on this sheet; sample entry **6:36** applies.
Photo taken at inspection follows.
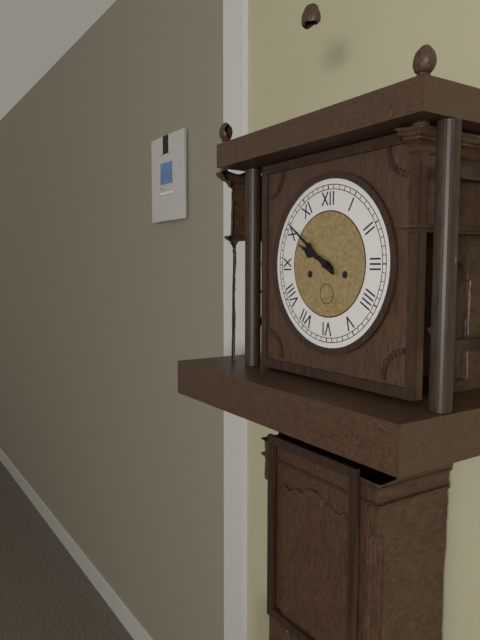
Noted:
**9:51**
